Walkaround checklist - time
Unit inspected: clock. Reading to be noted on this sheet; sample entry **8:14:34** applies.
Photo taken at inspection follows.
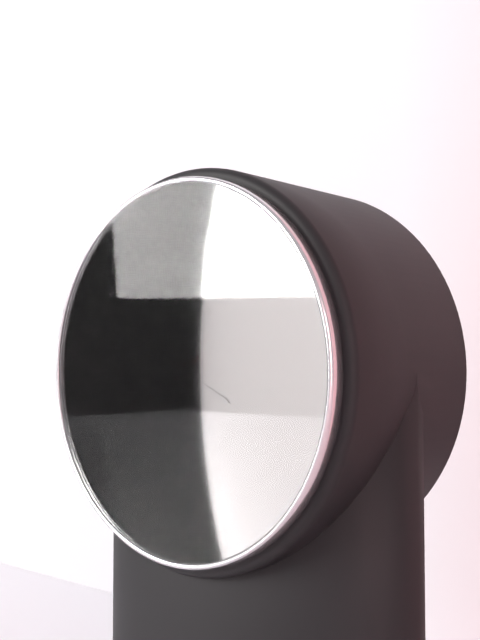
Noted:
**3:50:40**
